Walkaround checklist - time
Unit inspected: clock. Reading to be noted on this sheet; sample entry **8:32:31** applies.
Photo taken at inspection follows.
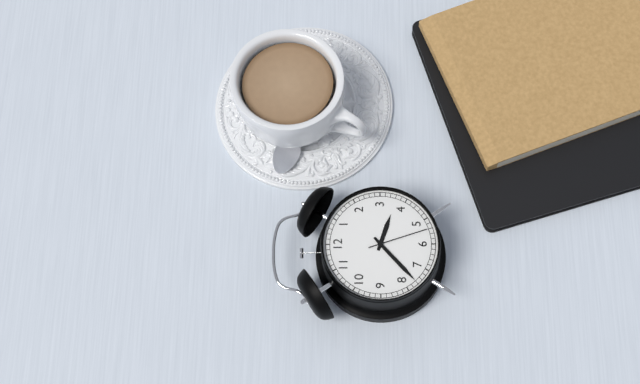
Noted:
**3:38:27**
